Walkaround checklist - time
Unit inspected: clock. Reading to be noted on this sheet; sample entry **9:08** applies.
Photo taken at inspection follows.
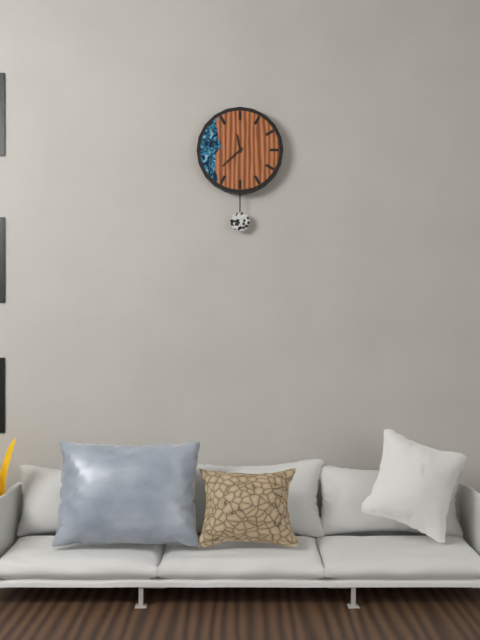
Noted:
**11:38**
